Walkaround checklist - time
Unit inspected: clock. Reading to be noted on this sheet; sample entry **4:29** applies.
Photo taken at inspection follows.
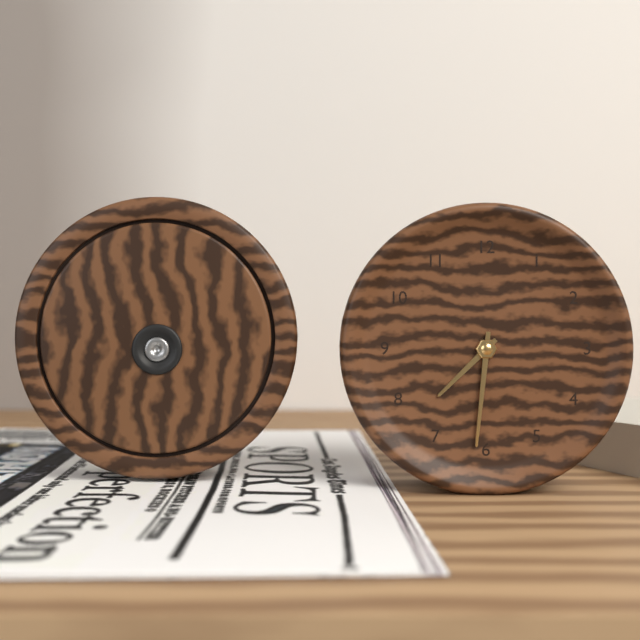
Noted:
**7:31**
